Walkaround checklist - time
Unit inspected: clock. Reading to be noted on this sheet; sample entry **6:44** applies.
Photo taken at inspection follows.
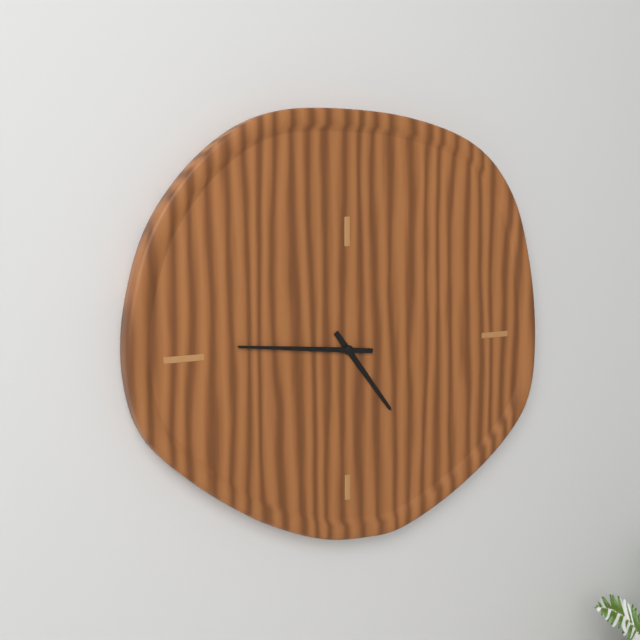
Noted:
**4:46**
